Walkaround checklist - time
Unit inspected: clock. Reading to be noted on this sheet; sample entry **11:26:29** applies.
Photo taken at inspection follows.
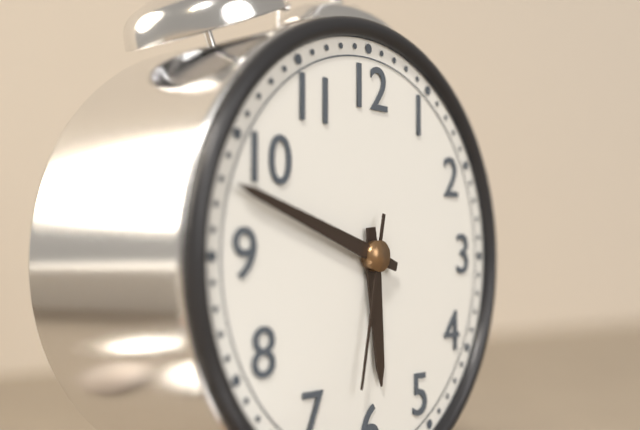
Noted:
**5:48:32**
